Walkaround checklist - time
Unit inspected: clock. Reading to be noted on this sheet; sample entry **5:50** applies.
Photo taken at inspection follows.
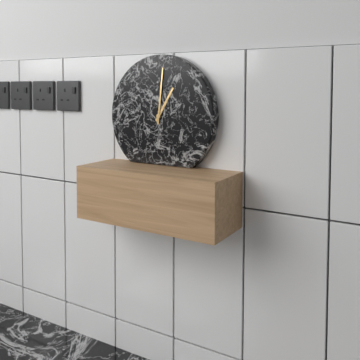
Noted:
**1:01**
